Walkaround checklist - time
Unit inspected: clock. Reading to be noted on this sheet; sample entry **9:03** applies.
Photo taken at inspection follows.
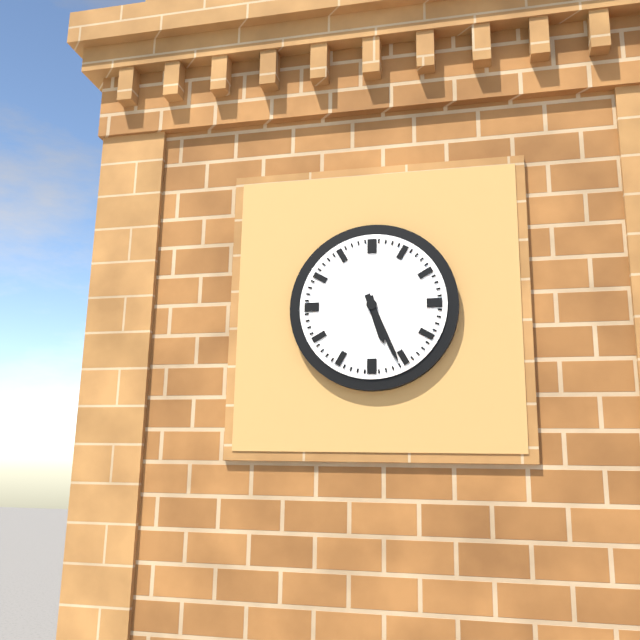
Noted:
**5:26**
